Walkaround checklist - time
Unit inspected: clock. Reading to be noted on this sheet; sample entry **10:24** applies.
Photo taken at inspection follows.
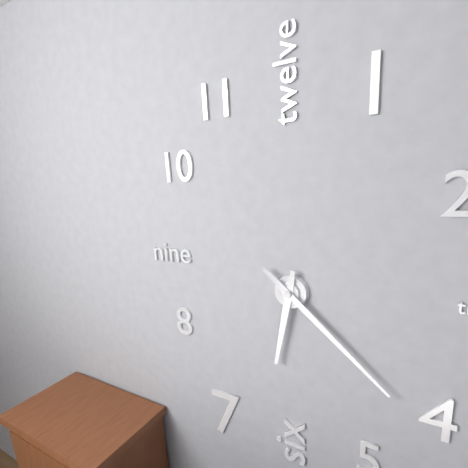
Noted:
**6:22**
